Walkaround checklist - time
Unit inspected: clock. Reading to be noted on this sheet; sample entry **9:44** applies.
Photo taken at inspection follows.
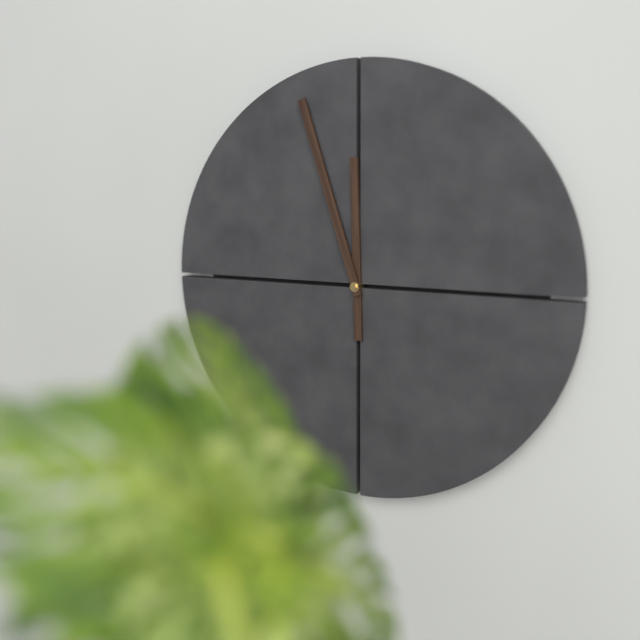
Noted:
**11:57**
